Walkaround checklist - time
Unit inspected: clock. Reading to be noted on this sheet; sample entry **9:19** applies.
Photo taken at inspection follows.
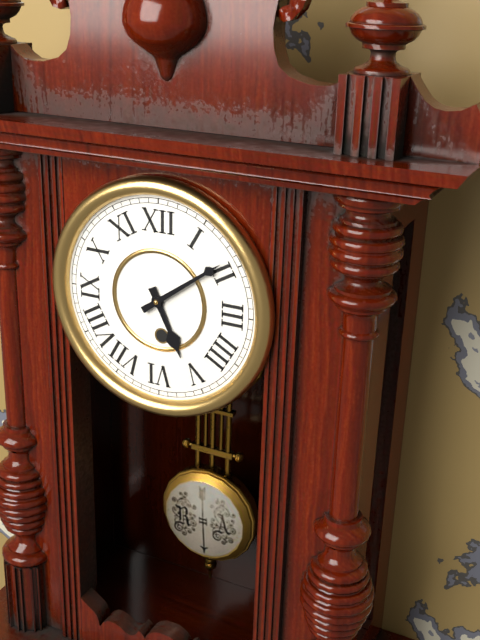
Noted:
**5:09**
